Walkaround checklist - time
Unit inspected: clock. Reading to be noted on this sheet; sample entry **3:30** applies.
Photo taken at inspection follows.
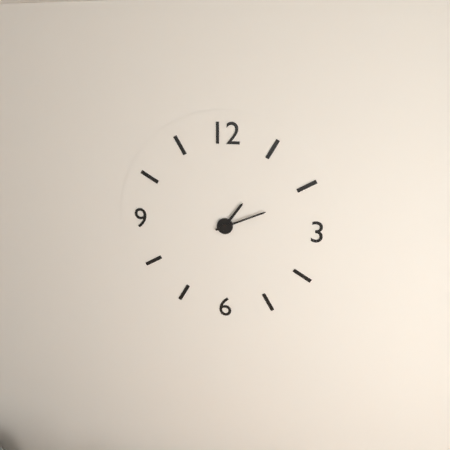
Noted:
**1:11**
